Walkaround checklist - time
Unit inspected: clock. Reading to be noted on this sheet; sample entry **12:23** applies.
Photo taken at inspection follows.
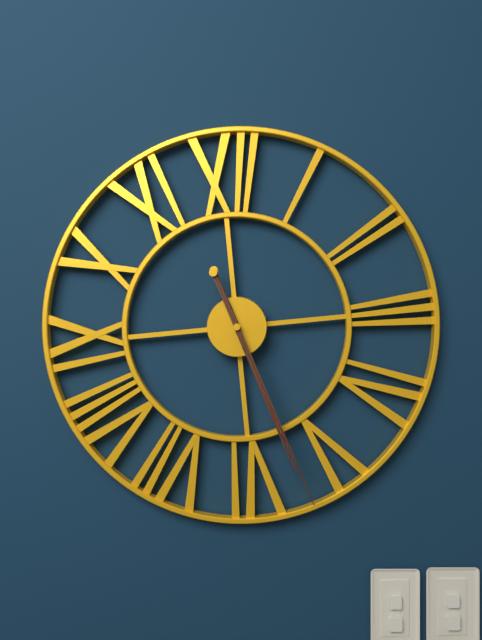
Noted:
**5:27**
